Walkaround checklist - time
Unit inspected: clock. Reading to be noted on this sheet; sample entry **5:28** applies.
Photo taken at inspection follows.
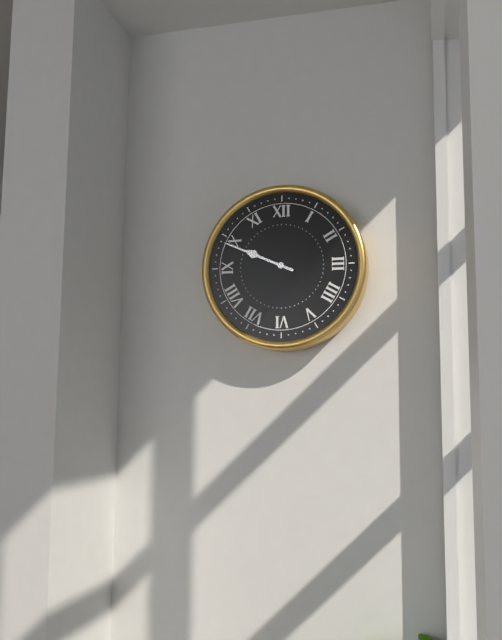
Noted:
**9:49**
